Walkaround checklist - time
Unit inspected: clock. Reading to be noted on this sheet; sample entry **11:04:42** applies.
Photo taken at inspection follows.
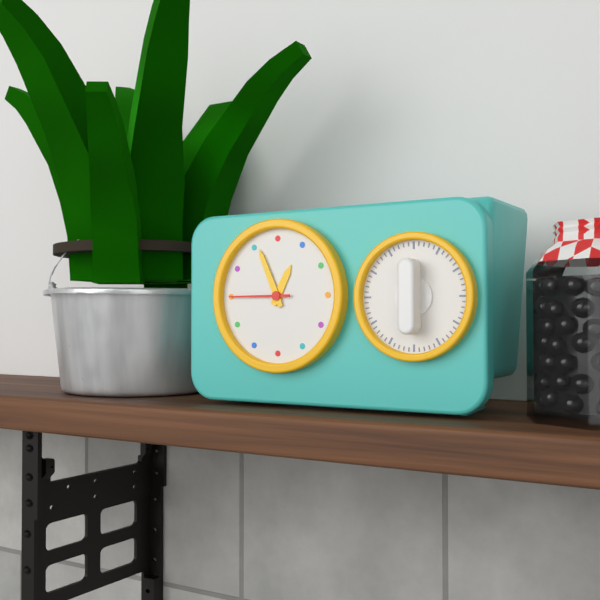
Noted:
**12:56:45**
